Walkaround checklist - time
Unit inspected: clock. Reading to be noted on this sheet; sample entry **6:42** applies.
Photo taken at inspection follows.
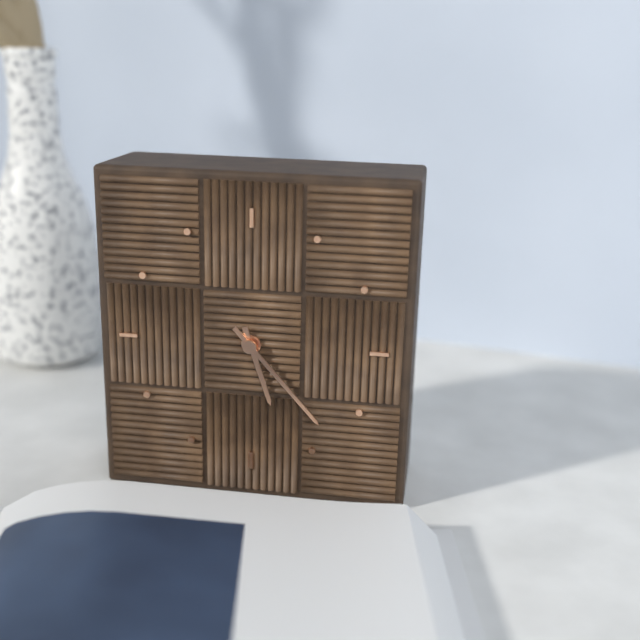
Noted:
**5:23**
